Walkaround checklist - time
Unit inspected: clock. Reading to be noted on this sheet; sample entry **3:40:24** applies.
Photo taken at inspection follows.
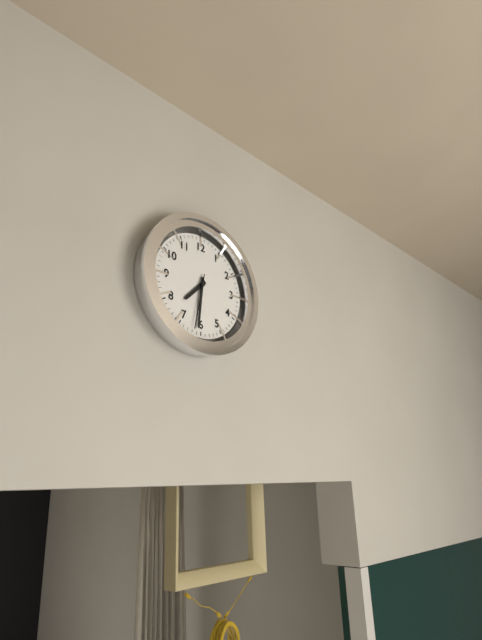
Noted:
**7:31:32**
